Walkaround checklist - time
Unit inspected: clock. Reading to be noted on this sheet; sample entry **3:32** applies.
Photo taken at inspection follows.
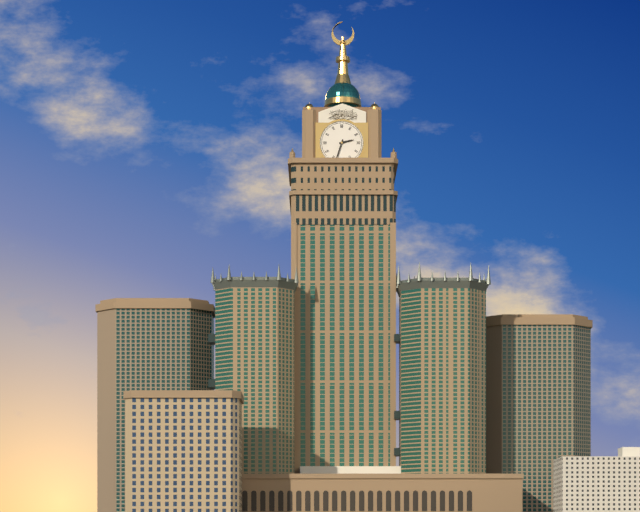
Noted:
**2:33**
